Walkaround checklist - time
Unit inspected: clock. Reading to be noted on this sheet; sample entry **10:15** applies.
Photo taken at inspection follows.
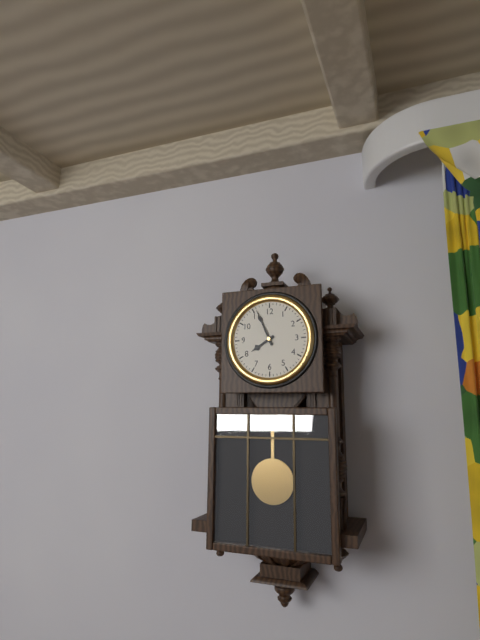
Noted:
**7:56**
